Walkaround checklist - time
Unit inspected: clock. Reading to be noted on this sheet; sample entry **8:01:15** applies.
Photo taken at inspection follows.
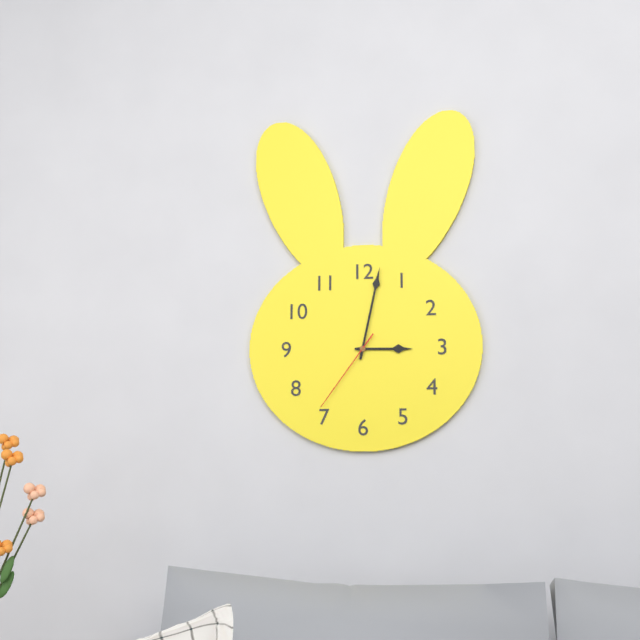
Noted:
**3:02:36**
